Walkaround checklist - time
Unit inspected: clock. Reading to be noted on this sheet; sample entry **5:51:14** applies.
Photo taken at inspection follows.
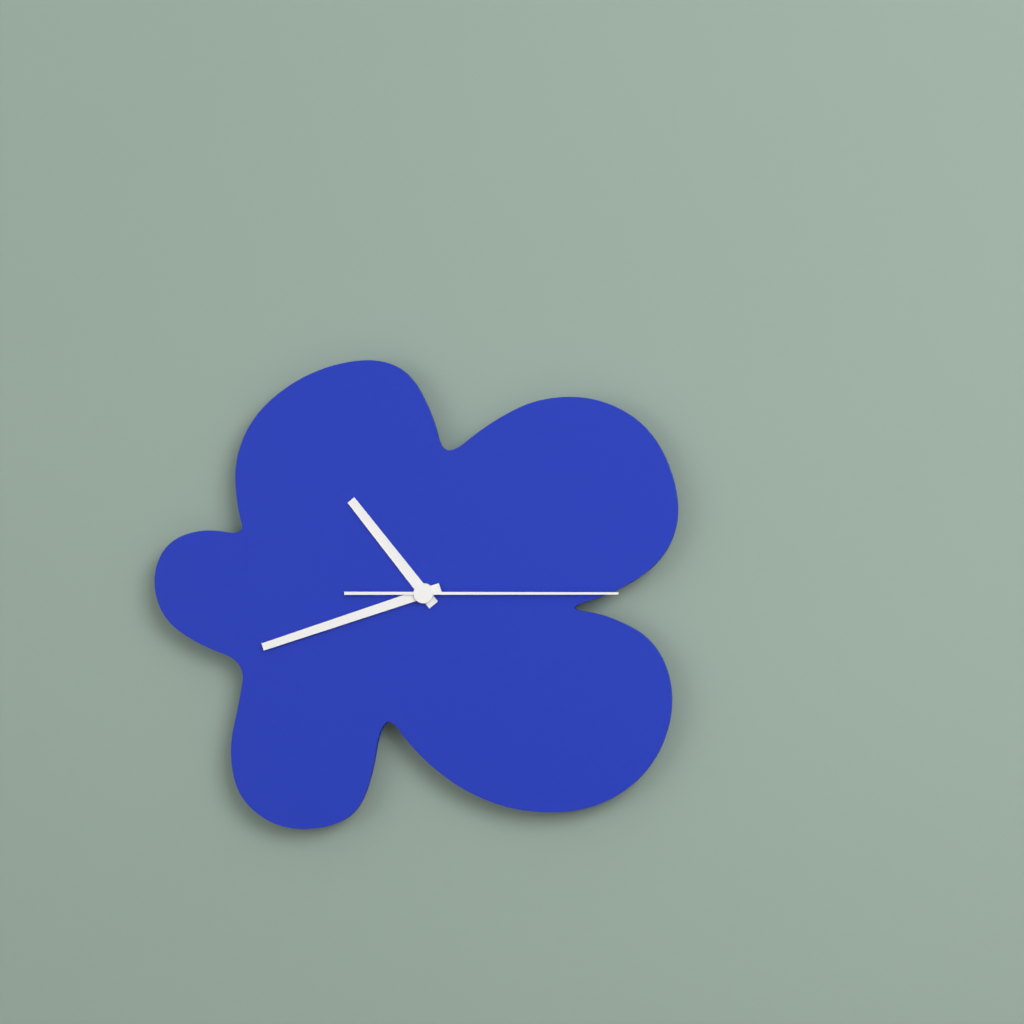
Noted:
**10:42:15**
